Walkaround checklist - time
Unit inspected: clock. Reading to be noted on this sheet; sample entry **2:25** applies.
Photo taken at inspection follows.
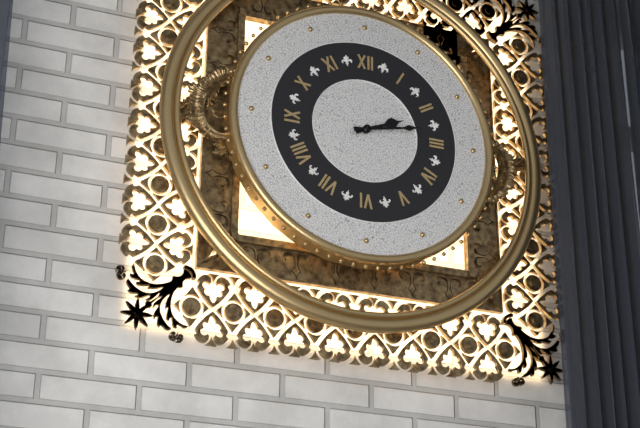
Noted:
**2:13**
